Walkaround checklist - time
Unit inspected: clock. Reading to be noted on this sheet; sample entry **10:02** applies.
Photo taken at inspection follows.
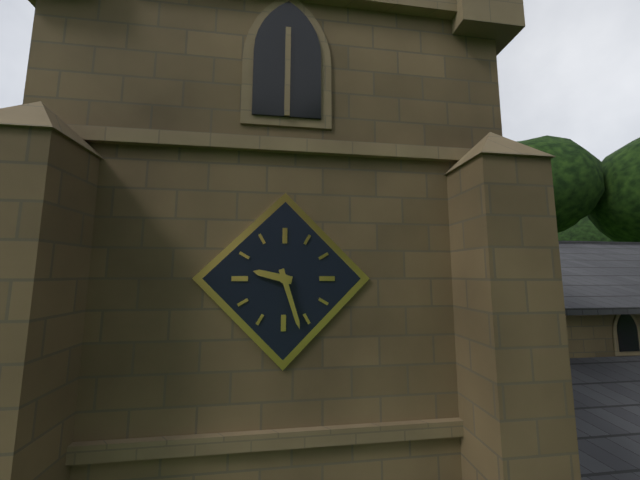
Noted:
**9:27**
